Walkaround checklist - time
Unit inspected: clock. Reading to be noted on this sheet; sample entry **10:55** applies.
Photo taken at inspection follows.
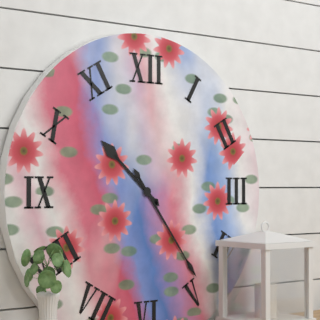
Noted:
**10:24**
